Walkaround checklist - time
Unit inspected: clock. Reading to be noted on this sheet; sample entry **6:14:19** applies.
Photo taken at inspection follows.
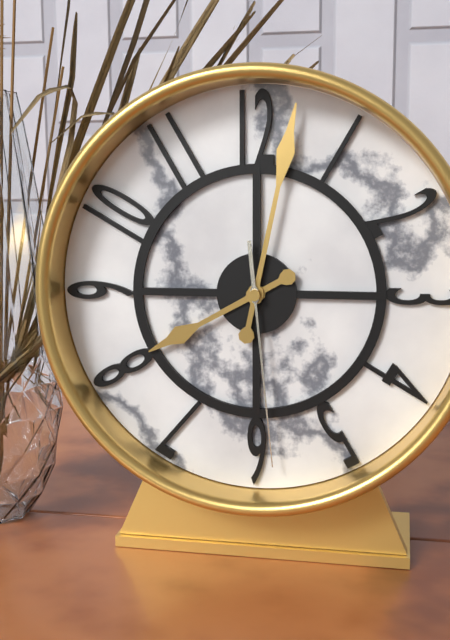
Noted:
**8:02:29**
